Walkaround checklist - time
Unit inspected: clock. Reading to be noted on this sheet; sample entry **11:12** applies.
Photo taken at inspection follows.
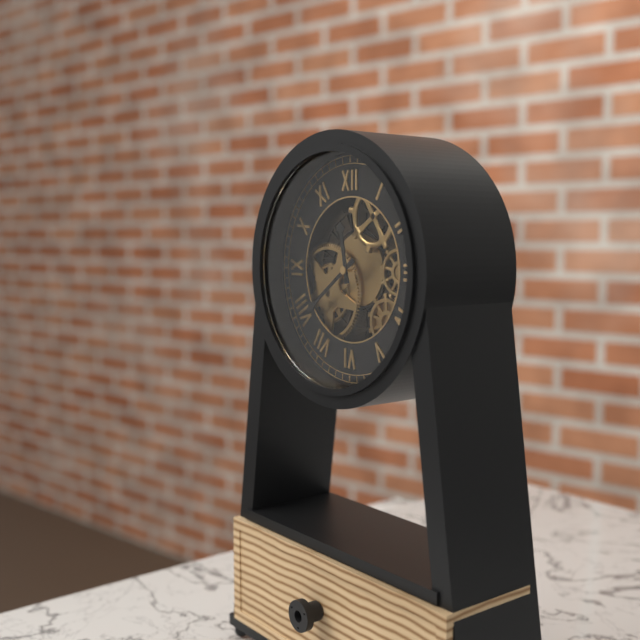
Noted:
**11:39**
